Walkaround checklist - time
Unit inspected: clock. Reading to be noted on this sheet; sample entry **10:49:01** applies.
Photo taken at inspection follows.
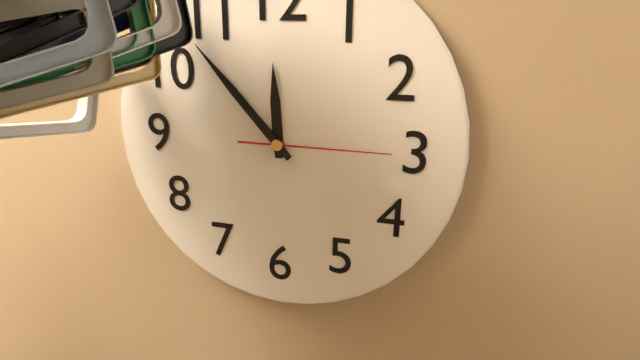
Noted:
**11:53:15**
